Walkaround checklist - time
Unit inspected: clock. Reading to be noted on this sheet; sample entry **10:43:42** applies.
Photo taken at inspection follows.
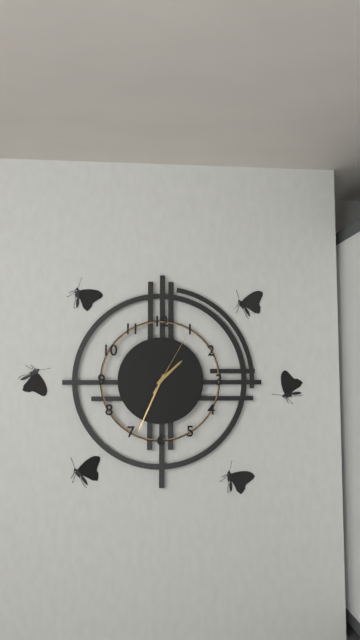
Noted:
**1:34:05**
